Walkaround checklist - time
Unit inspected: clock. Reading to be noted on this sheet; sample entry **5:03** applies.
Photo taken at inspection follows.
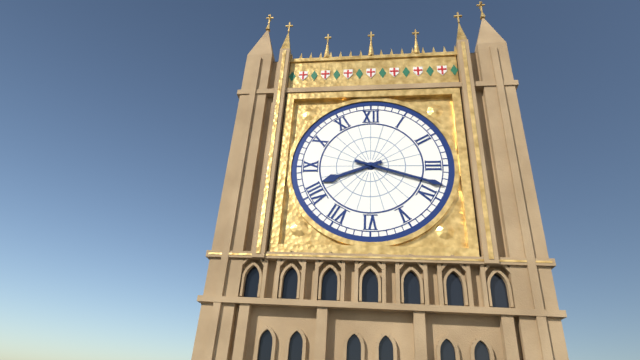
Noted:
**8:18**
